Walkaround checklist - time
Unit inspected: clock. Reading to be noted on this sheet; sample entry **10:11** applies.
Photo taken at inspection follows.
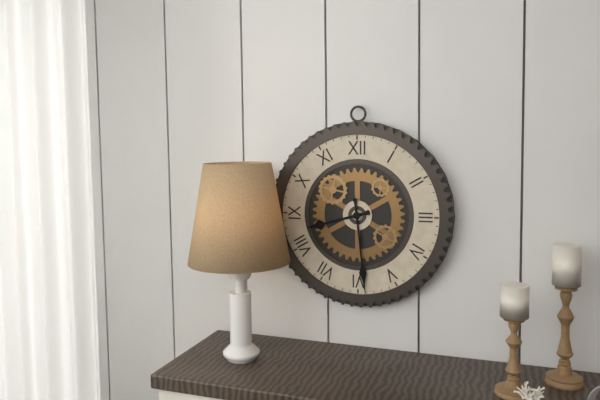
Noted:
**8:29**
